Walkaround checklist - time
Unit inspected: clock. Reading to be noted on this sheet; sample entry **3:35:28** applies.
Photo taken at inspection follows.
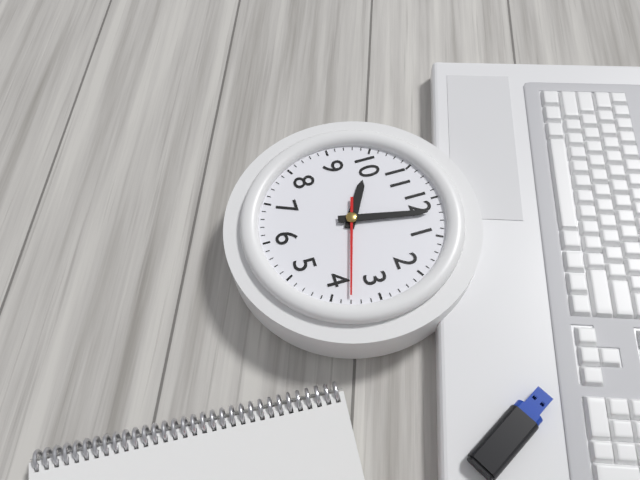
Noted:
**10:02:18**
